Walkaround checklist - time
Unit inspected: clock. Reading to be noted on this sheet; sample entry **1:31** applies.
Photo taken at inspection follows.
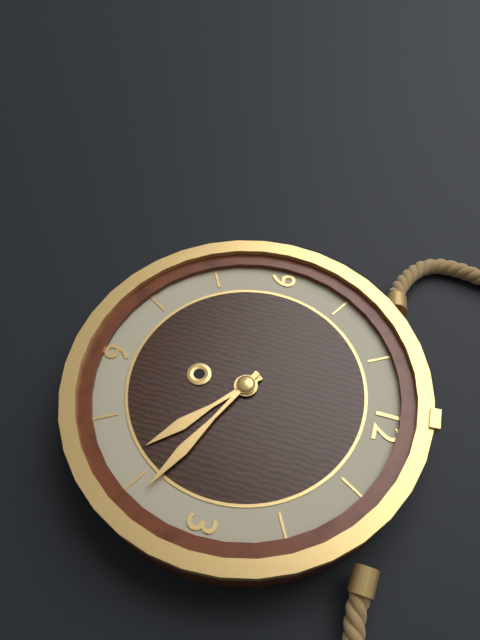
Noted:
**4:19**
